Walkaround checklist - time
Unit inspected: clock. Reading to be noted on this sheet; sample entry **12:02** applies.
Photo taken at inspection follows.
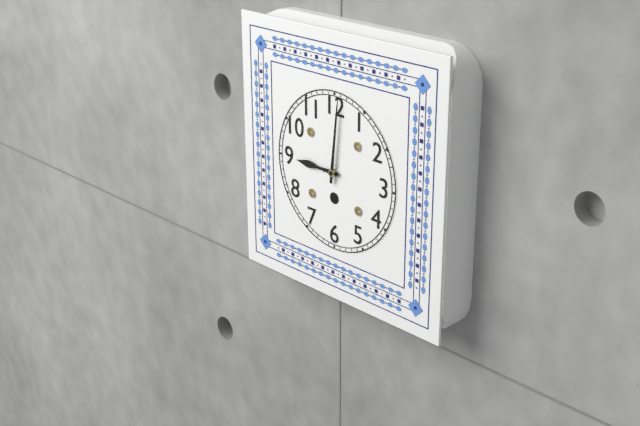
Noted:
**9:01**
